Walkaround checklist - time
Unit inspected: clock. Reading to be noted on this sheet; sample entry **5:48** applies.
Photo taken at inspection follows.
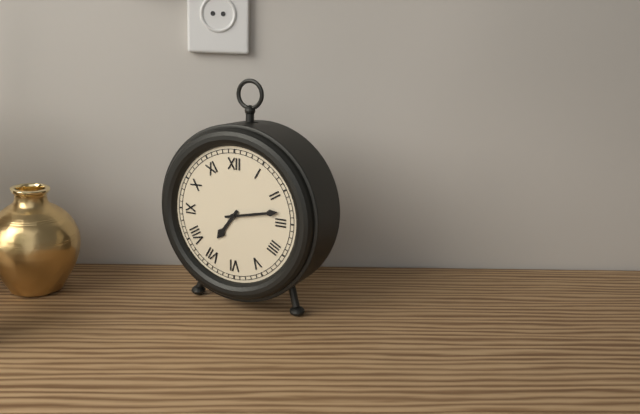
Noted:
**7:13**
